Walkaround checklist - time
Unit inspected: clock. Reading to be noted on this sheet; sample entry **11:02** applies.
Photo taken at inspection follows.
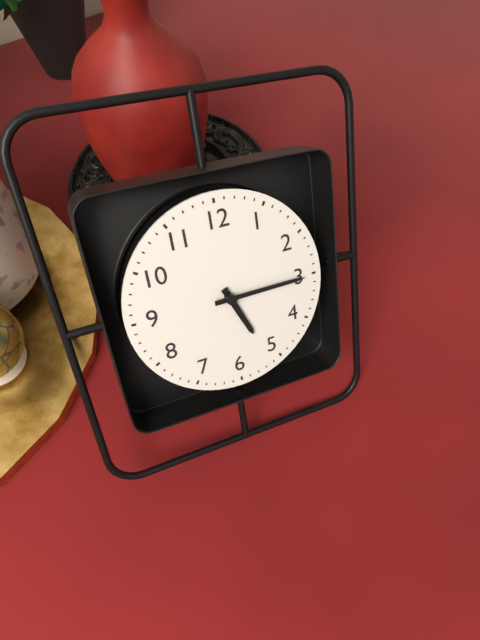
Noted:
**5:15**
